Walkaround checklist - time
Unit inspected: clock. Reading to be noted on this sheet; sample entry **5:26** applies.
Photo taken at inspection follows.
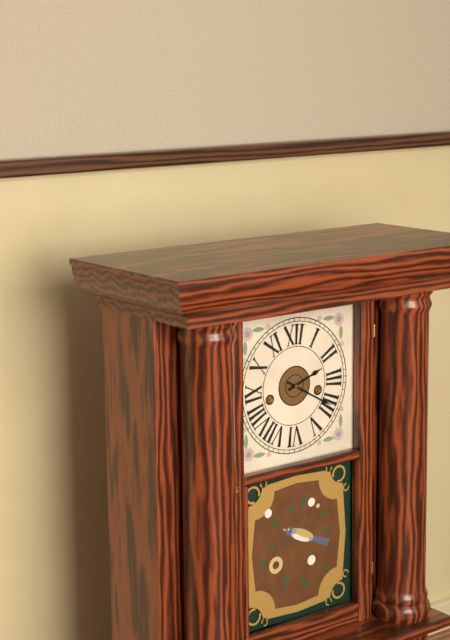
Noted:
**2:20**
